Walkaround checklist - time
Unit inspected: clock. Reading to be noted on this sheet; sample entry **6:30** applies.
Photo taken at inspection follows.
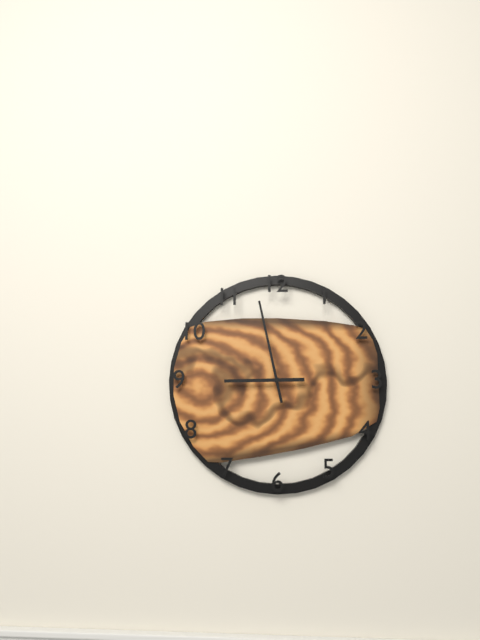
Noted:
**8:58**
